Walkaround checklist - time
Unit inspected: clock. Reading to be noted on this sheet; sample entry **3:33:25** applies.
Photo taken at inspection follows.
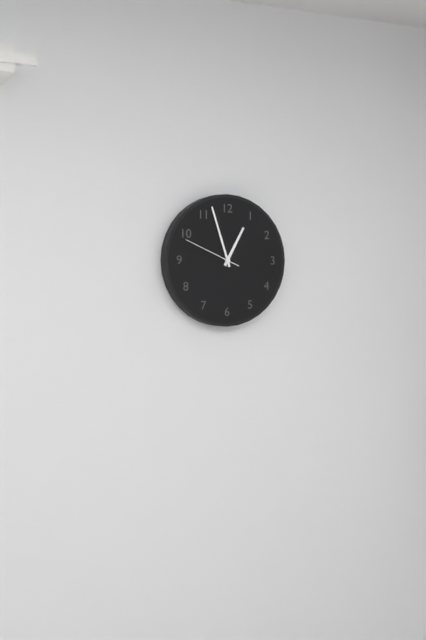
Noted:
**12:57:49**
